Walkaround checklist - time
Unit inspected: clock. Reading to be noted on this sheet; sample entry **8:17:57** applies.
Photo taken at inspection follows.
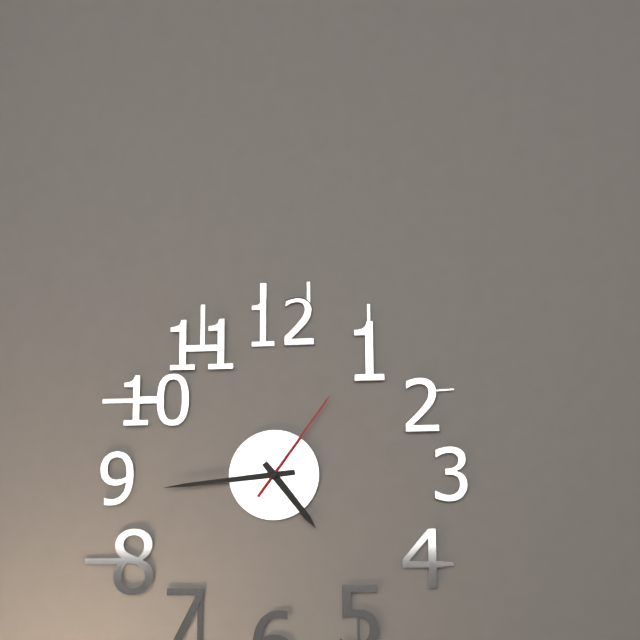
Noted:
**4:44:06**
